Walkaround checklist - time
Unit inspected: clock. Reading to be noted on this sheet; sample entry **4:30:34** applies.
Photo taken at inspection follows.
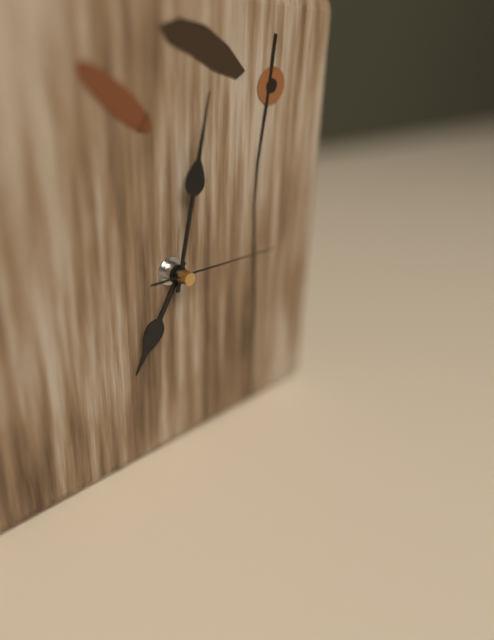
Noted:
**7:02:15**
